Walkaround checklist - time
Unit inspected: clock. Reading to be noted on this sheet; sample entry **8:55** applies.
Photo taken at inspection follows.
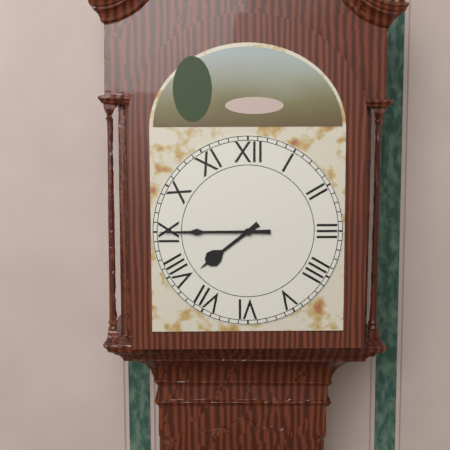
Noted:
**7:45**
